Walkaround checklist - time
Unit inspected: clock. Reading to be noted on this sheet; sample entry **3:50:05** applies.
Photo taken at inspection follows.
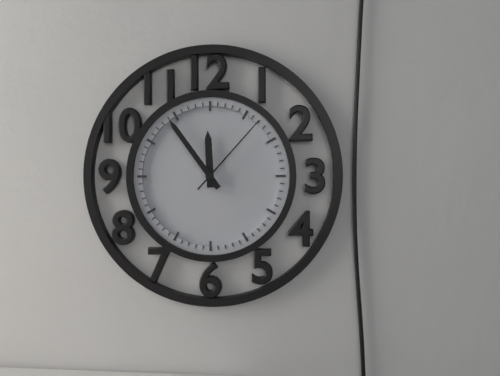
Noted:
**11:54:07**
